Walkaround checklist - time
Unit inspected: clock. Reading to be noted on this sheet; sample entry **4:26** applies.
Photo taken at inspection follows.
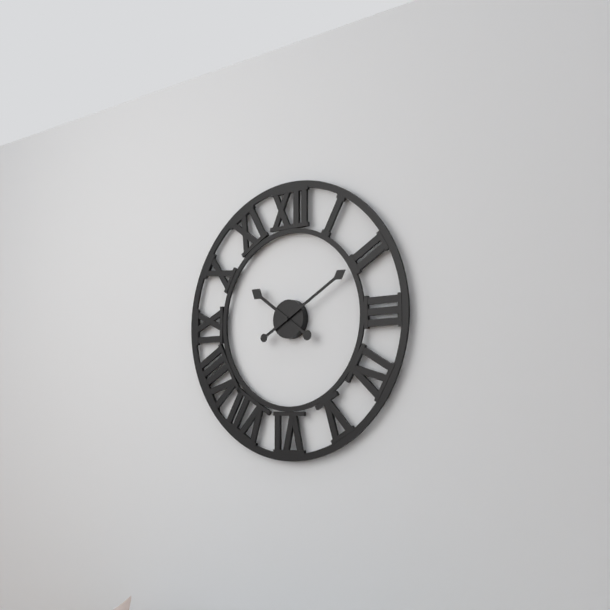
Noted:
**10:10**
